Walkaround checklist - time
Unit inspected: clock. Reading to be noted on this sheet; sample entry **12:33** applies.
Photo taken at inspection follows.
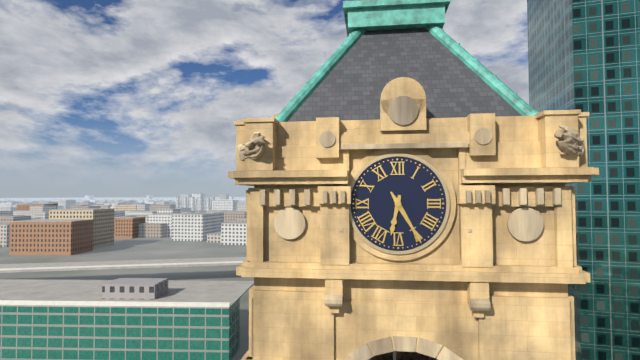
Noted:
**6:25**
